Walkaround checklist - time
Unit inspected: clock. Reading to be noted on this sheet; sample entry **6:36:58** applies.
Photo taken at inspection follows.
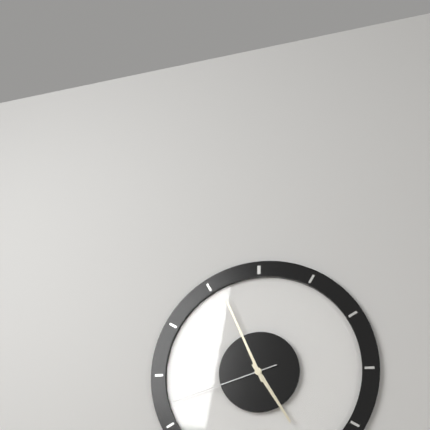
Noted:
**4:56:42**
